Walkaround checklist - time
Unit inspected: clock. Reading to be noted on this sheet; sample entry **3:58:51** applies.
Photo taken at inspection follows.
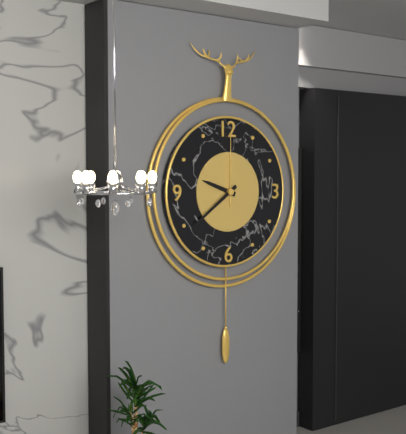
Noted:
**9:39:00**
